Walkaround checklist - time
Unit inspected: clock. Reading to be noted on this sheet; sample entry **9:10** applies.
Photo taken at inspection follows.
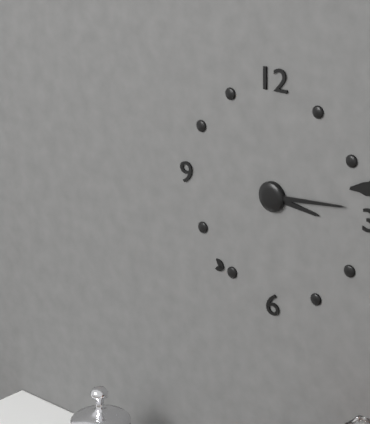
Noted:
**3:14**
